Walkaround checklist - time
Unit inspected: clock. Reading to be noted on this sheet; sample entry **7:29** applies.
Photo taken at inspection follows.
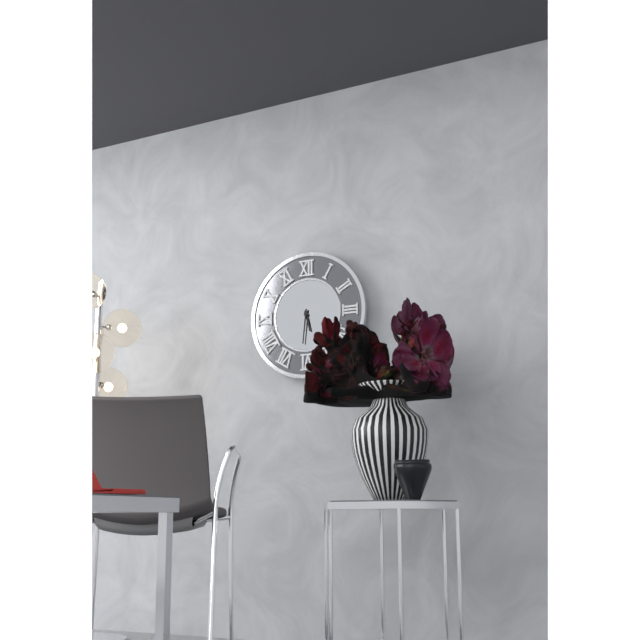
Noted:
**5:31**
